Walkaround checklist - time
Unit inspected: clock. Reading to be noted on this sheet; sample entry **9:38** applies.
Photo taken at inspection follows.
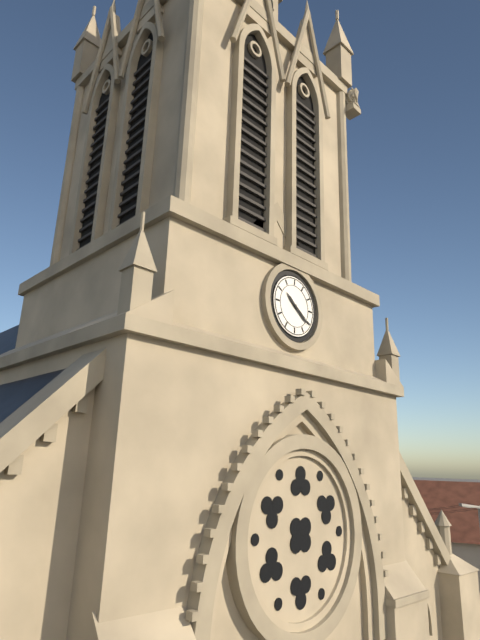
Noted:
**10:21**
